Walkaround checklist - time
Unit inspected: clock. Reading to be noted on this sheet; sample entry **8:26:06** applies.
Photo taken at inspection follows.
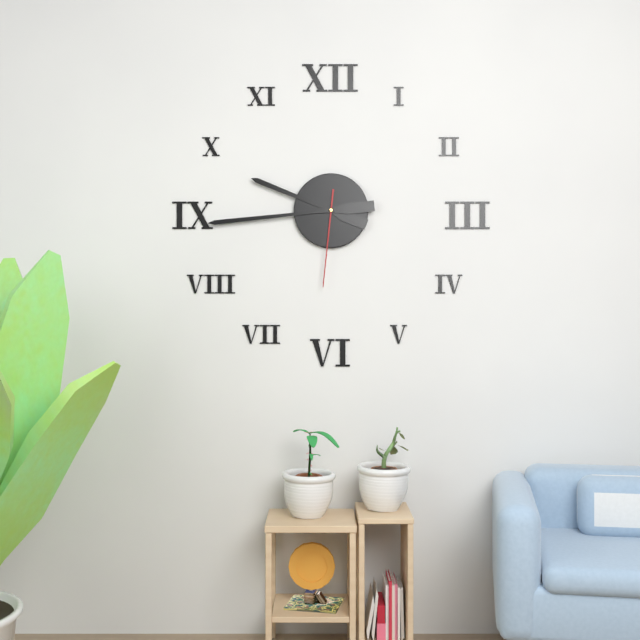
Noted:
**9:44:31**
